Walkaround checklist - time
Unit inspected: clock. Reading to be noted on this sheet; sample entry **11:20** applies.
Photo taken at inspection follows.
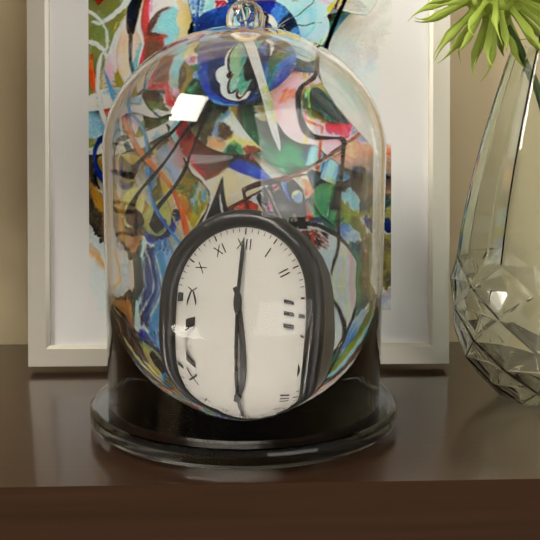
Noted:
**5:00**
